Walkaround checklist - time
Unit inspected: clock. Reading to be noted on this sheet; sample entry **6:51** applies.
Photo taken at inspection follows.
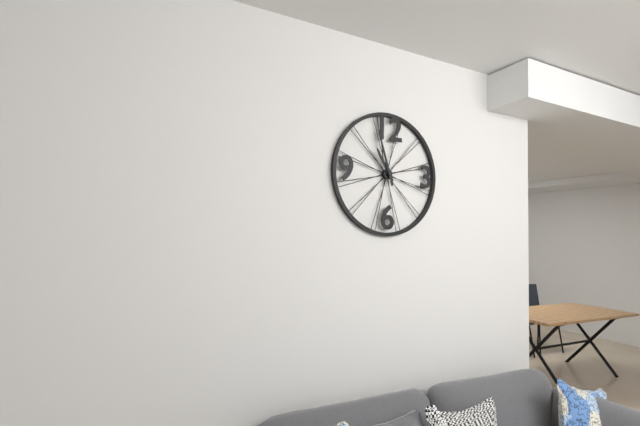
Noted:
**10:57**
